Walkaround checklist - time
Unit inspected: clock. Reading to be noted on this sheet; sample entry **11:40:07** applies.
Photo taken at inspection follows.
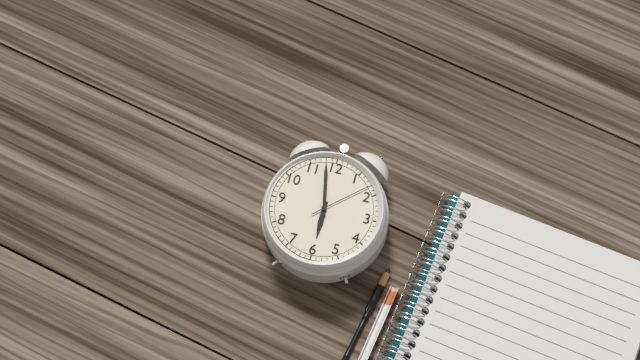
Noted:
**5:58:08**
